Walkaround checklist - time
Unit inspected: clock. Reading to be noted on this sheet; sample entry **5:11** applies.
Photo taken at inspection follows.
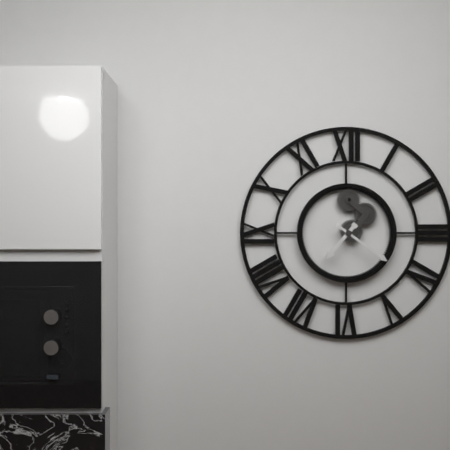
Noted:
**7:21**
